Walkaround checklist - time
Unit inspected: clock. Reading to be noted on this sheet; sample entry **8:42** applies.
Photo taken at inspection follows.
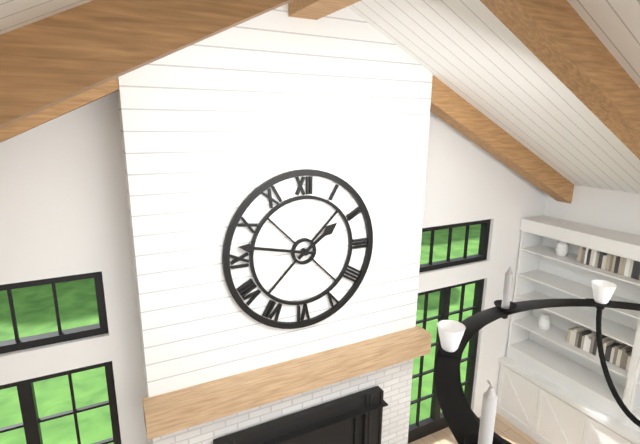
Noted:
**1:47**
